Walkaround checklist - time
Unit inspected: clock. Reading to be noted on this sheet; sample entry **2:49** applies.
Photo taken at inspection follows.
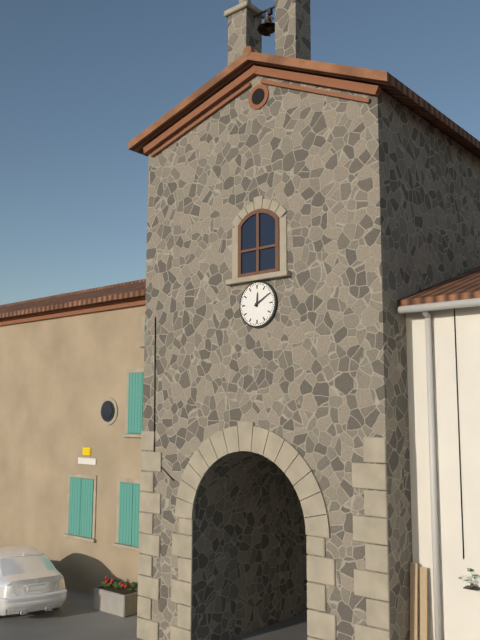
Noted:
**12:10**
